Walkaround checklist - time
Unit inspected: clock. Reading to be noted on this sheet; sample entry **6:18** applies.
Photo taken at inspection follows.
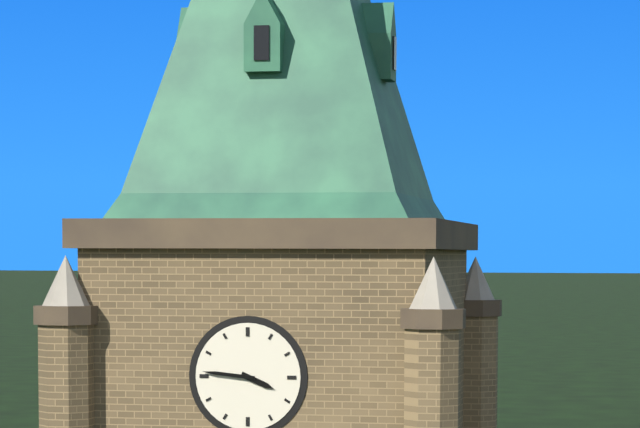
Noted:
**3:46**
